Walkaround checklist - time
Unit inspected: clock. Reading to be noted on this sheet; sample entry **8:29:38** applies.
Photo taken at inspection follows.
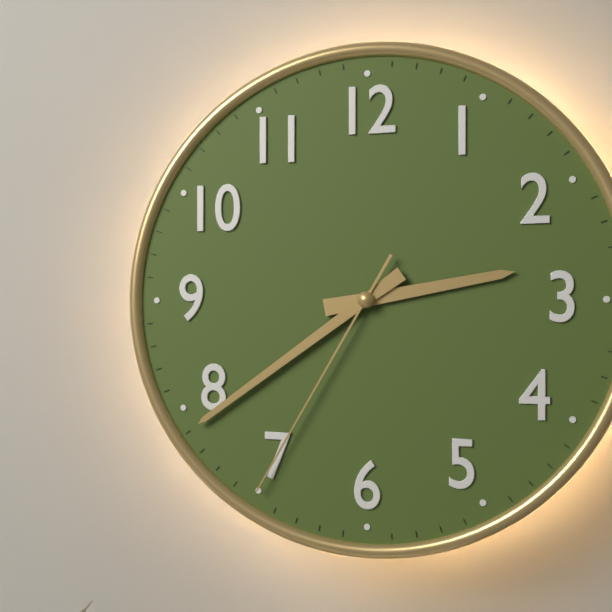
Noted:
**2:39:35**
